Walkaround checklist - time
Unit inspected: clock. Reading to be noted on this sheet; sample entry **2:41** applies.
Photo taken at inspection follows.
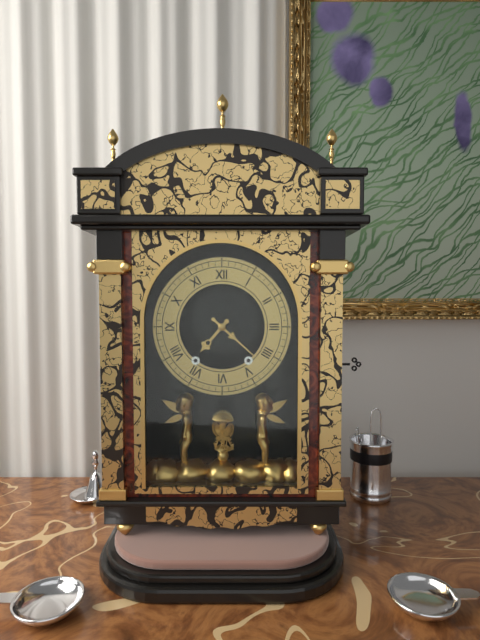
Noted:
**7:22**
